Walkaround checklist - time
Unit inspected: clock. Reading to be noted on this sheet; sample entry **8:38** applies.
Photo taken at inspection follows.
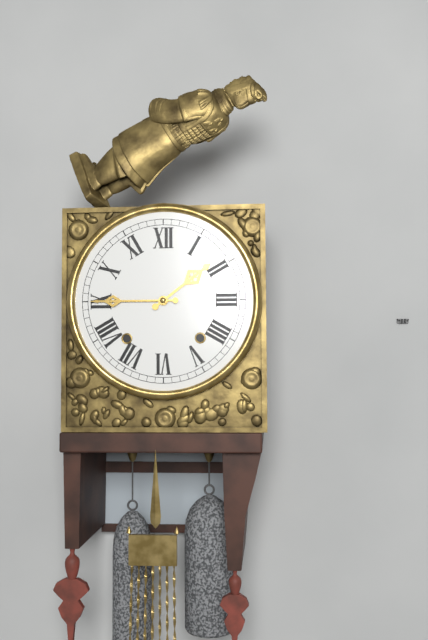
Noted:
**1:45**
